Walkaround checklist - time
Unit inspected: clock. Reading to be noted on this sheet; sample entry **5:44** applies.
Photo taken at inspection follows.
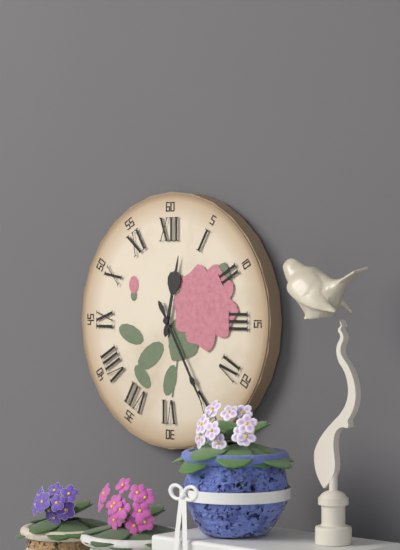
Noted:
**12:25**
